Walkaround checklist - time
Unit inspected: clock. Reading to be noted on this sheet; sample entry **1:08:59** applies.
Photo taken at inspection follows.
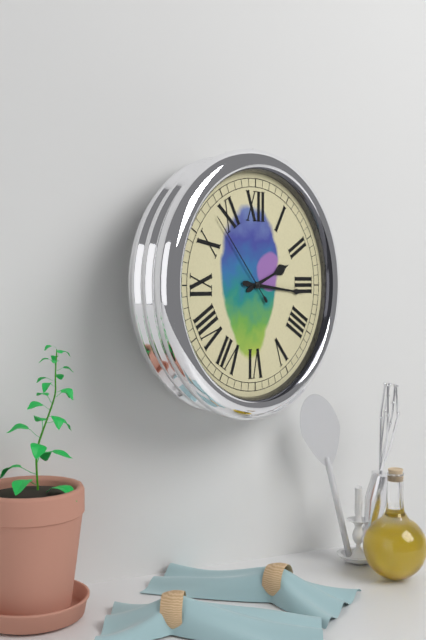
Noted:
**2:16:53**
